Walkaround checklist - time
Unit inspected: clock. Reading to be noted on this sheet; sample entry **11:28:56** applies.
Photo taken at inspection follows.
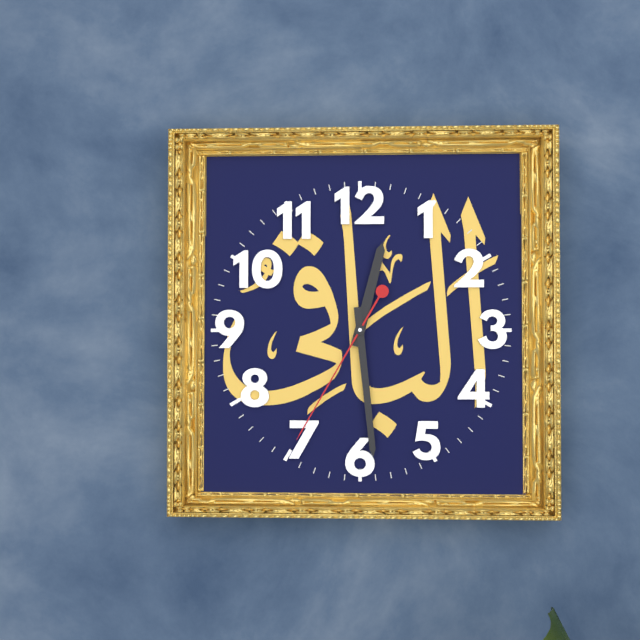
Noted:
**12:29:35**
